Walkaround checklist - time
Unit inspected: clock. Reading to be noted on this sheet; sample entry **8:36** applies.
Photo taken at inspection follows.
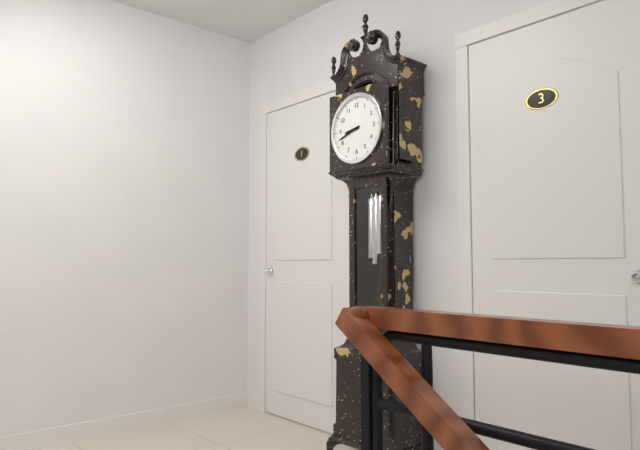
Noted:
**8:42**
